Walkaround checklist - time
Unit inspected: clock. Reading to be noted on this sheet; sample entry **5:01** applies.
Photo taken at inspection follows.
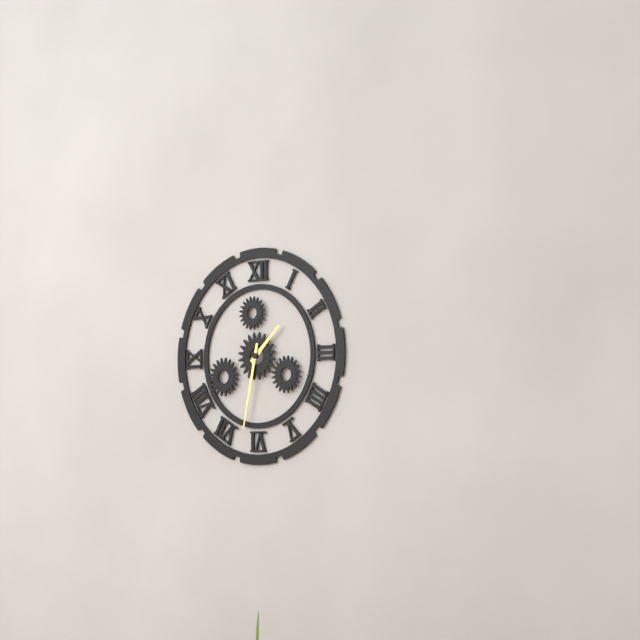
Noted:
**1:32**
